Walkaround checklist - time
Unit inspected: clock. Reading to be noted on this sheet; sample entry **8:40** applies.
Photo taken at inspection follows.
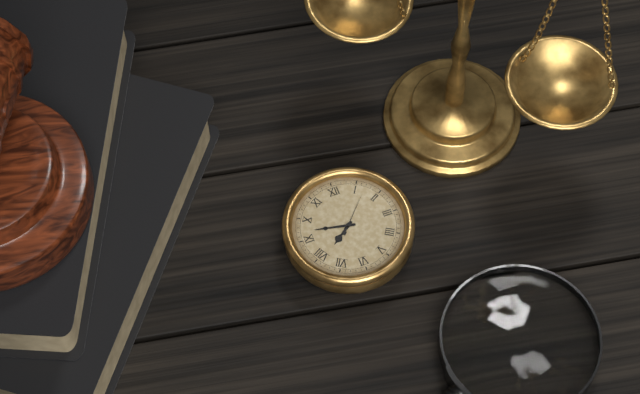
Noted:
**7:47**
